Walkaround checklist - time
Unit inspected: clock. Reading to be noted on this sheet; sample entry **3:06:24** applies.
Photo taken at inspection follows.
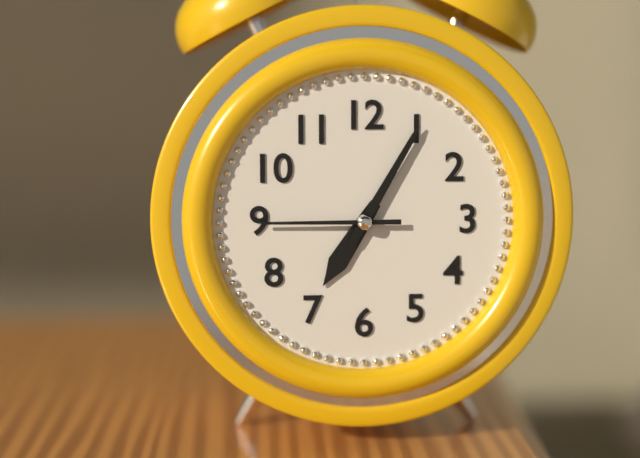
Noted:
**7:05:45**
